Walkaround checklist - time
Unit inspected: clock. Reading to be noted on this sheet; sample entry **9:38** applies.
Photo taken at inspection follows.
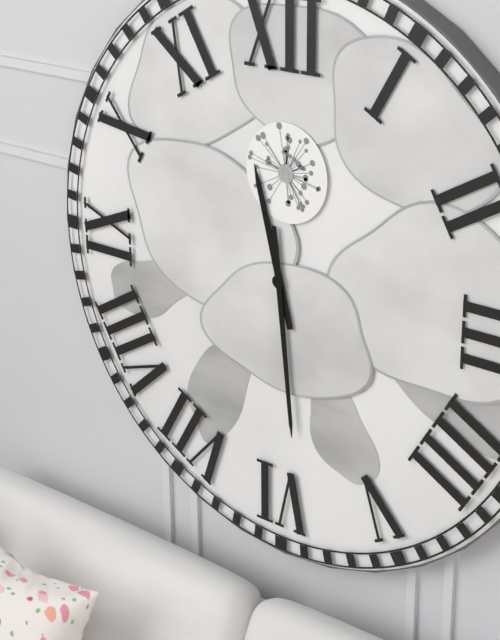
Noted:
**11:29**
